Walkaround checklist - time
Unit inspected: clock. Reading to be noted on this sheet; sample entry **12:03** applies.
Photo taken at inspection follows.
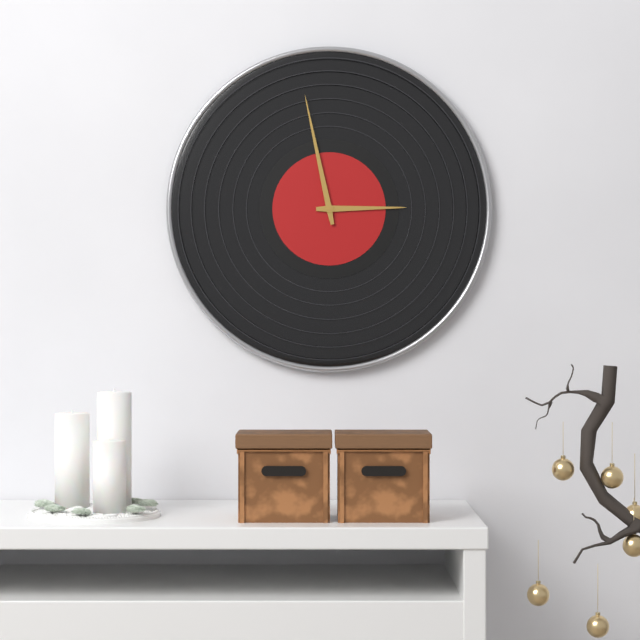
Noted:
**2:58**
